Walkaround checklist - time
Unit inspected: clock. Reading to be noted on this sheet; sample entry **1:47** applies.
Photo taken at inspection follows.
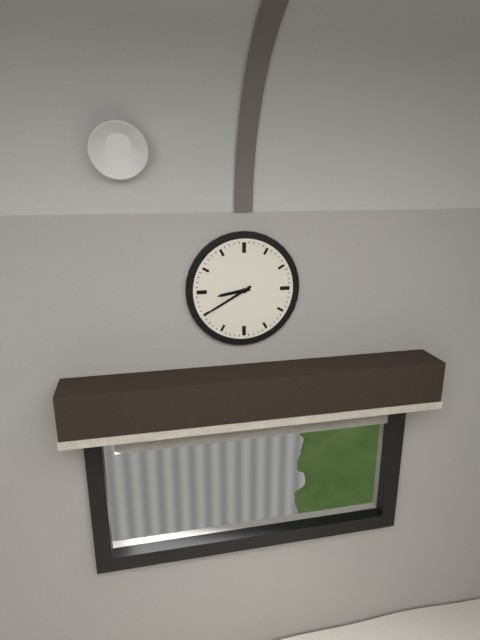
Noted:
**8:40**
